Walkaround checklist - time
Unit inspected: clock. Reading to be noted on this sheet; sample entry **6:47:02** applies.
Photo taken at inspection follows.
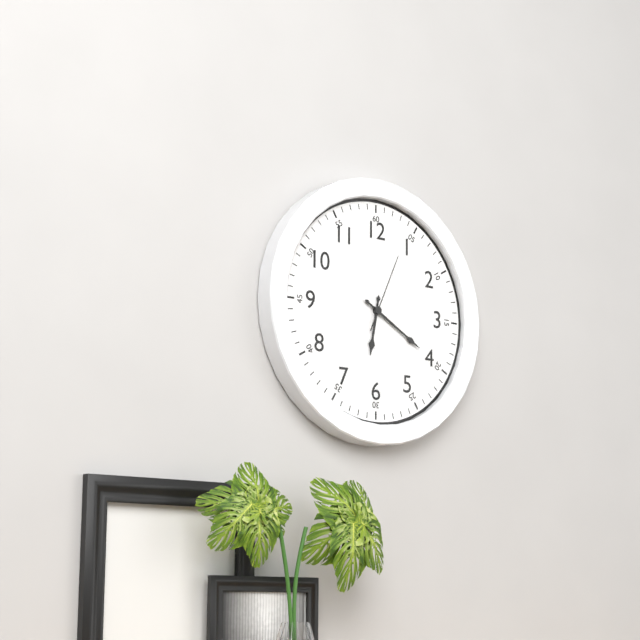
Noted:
**6:20:04**
